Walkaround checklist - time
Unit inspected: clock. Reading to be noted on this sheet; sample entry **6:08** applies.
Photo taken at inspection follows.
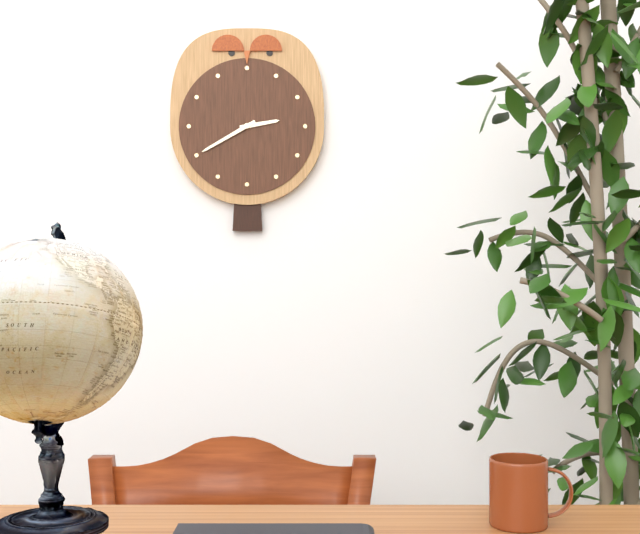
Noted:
**2:40**
